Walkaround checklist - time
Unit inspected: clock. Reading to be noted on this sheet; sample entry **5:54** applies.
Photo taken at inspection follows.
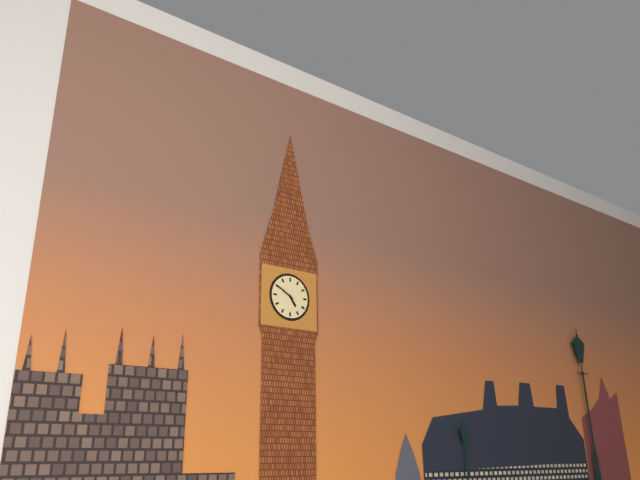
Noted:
**4:50**
